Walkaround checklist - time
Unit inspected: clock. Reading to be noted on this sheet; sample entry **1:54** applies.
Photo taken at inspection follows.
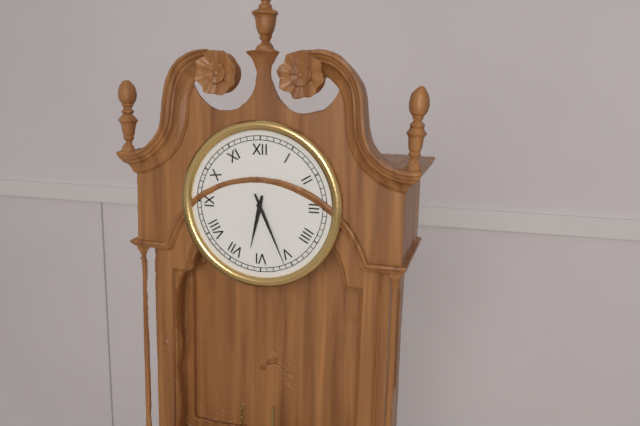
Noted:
**6:26**
